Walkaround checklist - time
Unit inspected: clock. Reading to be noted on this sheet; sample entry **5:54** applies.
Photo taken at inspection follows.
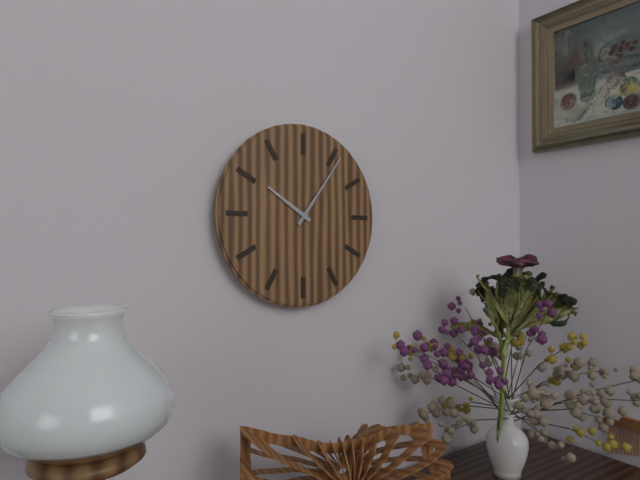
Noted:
**10:06**
